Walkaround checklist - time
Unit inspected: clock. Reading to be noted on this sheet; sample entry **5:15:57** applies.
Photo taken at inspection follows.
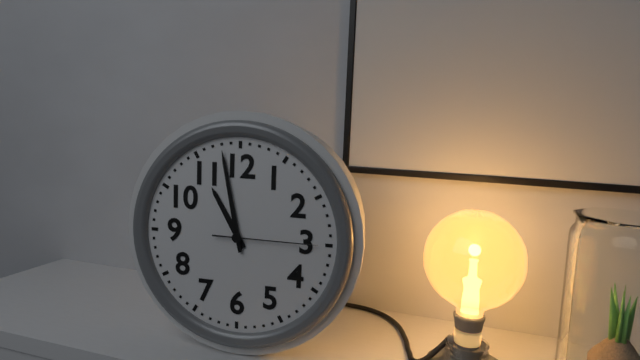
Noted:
**10:58:15**
